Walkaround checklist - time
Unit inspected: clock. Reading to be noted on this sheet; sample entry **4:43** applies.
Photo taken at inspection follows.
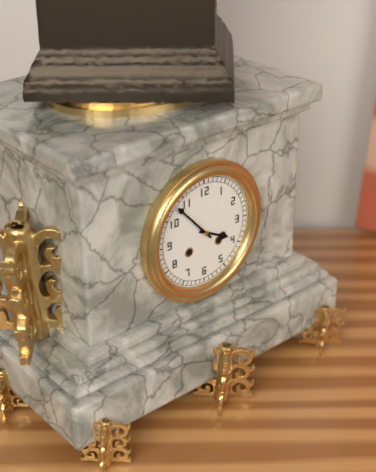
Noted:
**3:53**
